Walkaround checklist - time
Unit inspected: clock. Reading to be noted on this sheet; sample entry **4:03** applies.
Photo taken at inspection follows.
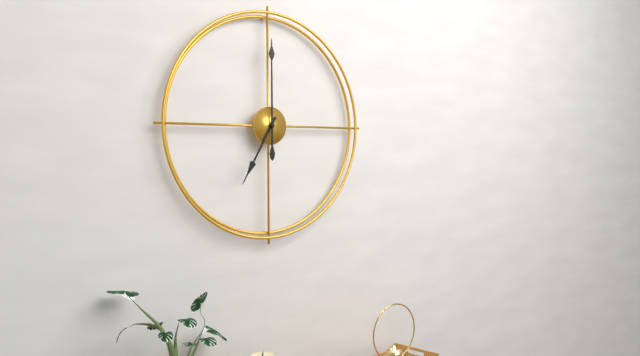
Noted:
**7:00**
